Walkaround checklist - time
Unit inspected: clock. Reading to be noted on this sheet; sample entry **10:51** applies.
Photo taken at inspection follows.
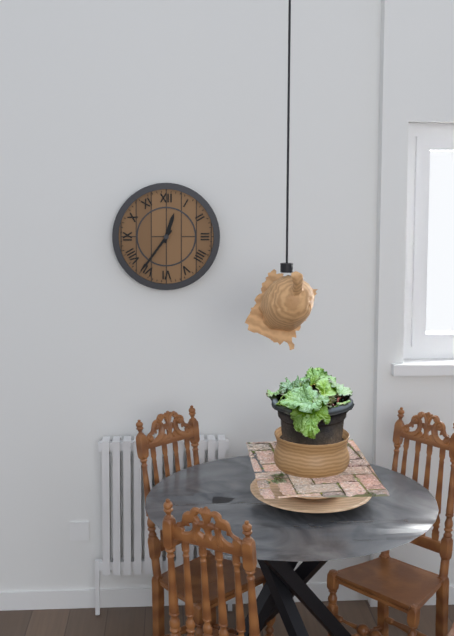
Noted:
**12:36**
